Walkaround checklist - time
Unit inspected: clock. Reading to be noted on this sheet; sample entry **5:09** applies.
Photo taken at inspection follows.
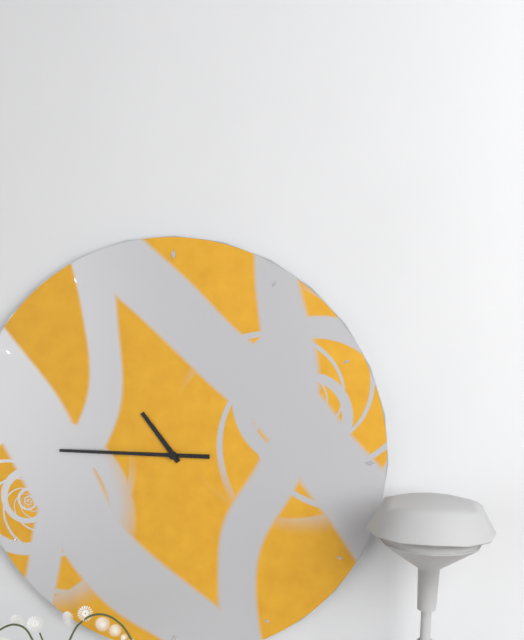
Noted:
**10:45**
